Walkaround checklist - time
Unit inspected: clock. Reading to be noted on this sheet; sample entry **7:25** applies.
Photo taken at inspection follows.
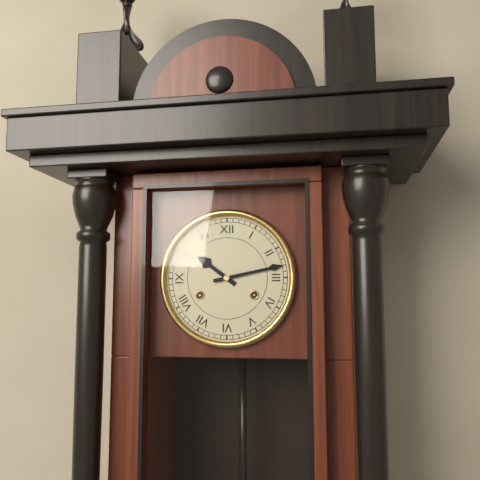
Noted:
**10:13**
